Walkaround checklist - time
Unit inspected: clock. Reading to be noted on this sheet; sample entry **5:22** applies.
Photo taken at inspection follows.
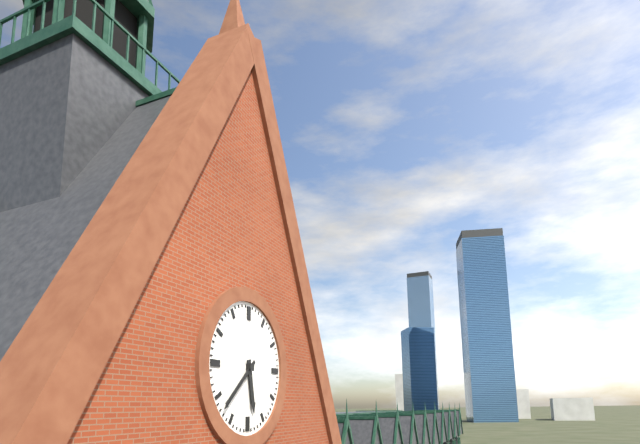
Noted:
**5:38**
